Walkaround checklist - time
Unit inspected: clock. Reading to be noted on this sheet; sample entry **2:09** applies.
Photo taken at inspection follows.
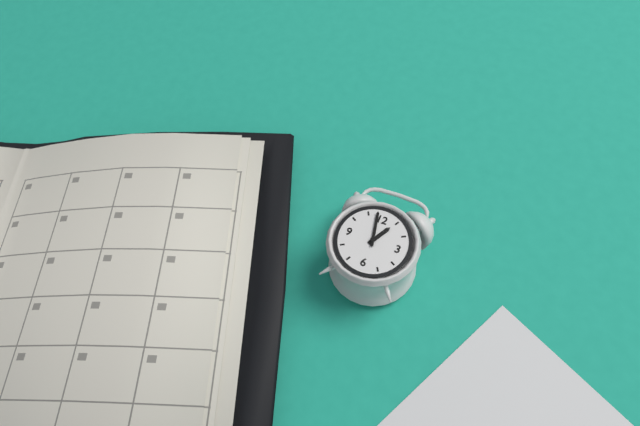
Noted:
**12:58**
